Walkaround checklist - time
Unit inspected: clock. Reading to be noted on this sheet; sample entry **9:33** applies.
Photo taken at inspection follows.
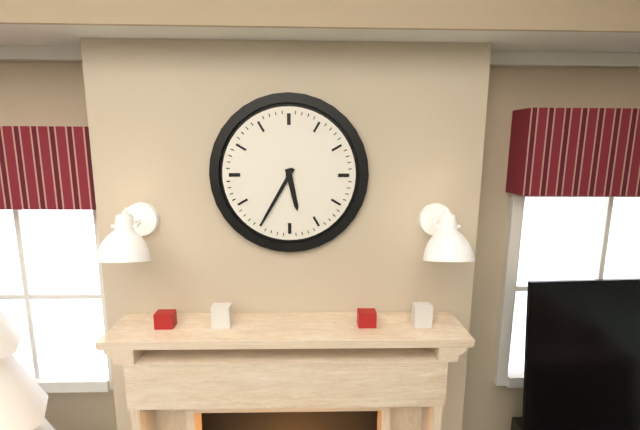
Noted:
**5:35**
